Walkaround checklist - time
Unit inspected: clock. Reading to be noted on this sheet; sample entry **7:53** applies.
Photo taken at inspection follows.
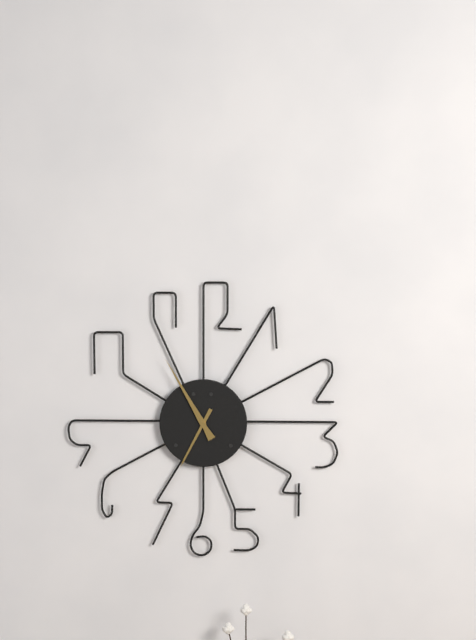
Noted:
**6:55**
